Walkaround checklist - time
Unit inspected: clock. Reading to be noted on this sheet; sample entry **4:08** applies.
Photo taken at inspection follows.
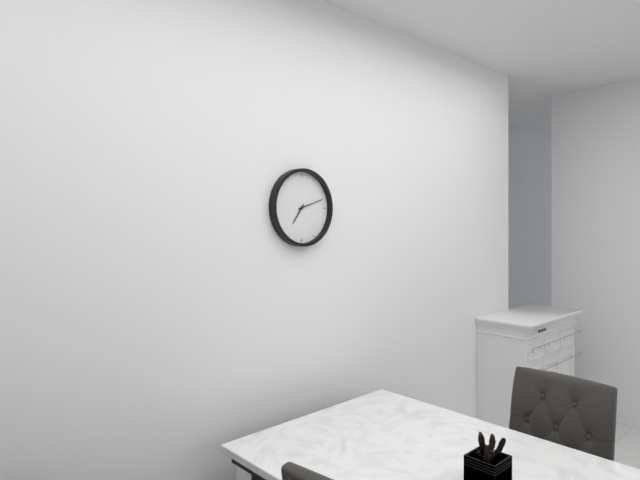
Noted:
**7:12**
